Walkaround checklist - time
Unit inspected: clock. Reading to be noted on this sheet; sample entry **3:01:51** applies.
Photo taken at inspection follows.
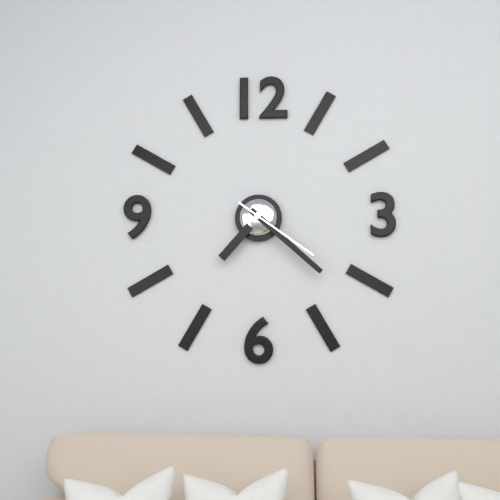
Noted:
**7:22:21**
